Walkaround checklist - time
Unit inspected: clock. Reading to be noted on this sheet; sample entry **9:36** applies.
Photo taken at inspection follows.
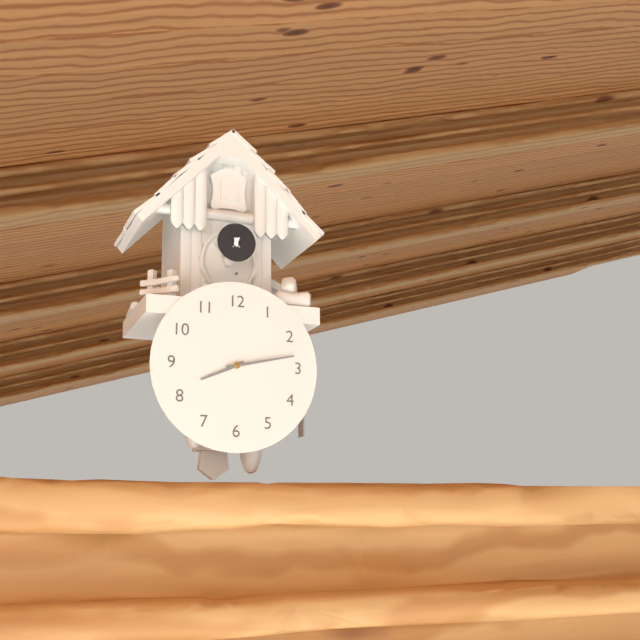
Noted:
**8:13**
